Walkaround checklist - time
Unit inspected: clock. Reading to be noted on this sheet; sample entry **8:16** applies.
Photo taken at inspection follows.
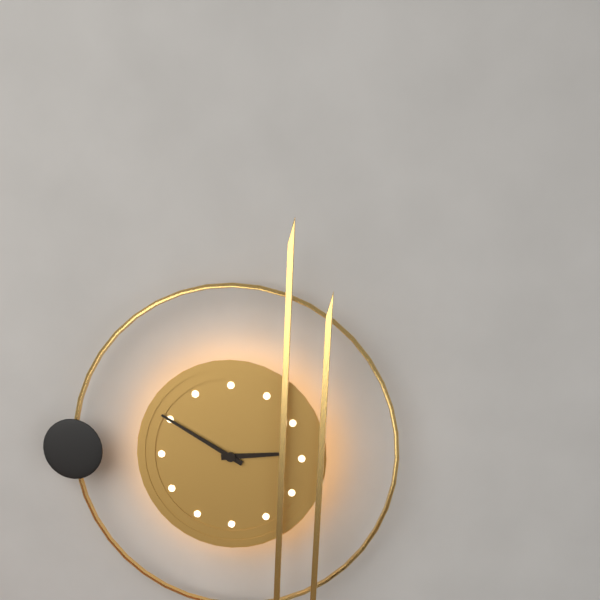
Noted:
**2:50**
